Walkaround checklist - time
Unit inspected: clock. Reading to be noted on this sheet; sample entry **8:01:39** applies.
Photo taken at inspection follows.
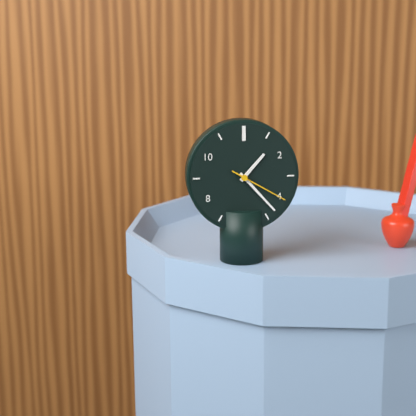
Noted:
**1:23:20**
